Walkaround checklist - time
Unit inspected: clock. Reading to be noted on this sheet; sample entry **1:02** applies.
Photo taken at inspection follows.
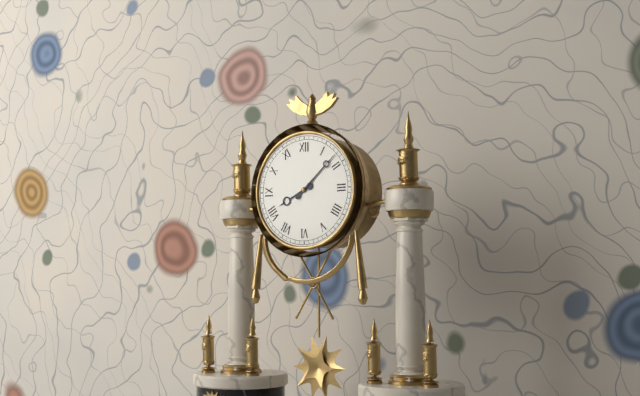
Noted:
**8:08**
